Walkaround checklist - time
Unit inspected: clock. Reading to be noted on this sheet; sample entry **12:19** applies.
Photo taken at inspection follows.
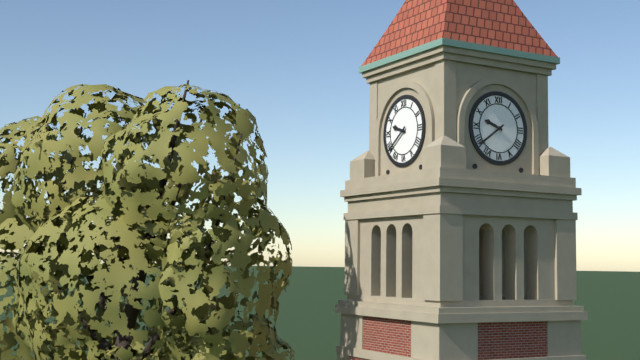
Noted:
**9:39**
